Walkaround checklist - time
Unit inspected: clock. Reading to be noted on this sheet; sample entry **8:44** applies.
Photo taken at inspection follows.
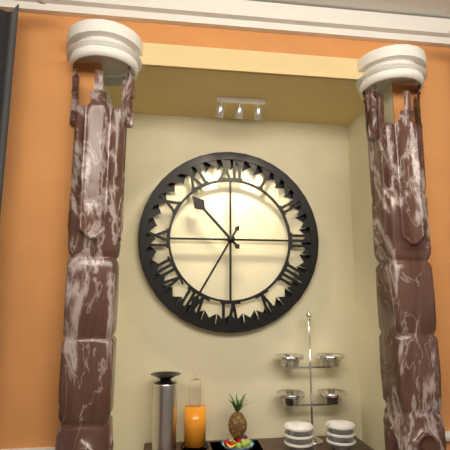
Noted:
**10:35**
